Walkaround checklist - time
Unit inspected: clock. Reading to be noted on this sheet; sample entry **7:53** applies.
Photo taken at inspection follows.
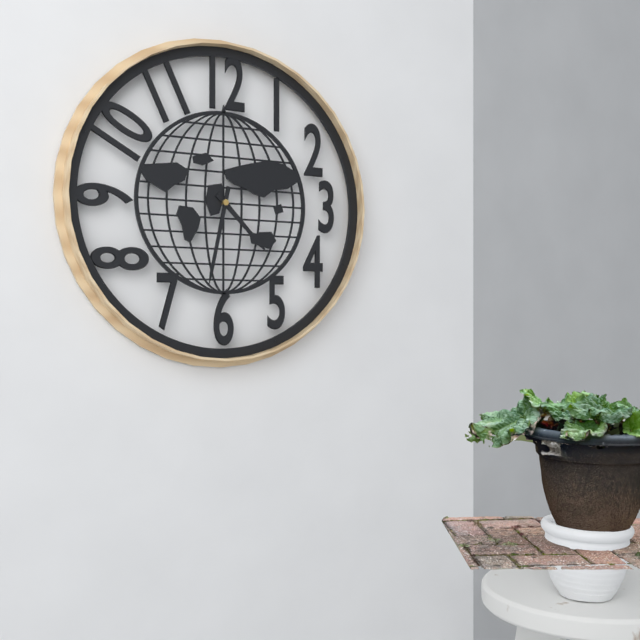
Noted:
**4:32**
